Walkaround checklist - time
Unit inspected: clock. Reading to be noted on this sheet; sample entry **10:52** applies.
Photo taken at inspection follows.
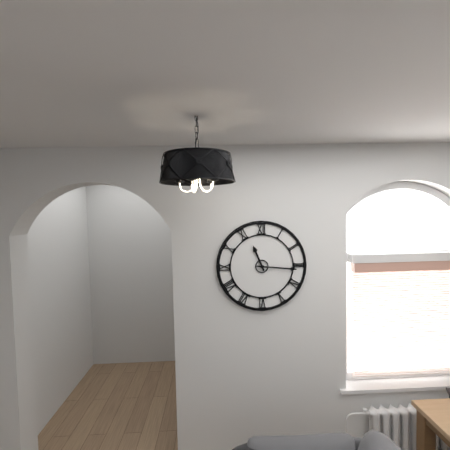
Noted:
**11:16**
